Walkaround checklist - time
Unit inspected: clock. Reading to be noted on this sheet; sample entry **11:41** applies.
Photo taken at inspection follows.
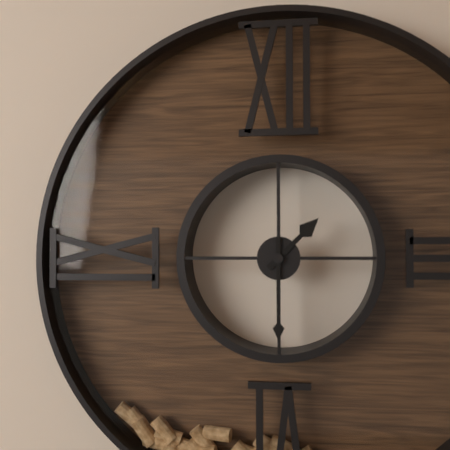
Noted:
**1:30**
